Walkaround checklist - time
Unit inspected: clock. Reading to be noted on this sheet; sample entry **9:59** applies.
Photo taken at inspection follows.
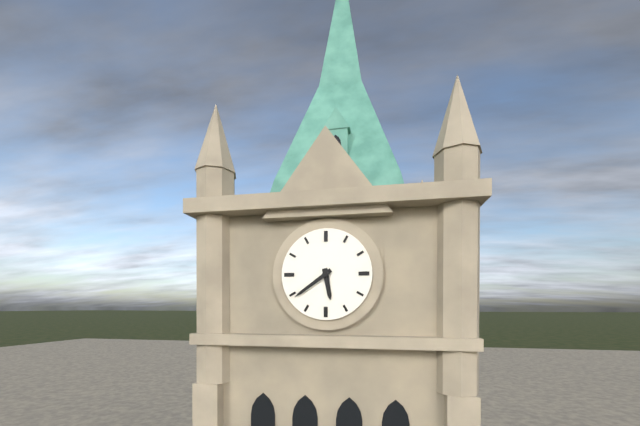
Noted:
**5:39**
